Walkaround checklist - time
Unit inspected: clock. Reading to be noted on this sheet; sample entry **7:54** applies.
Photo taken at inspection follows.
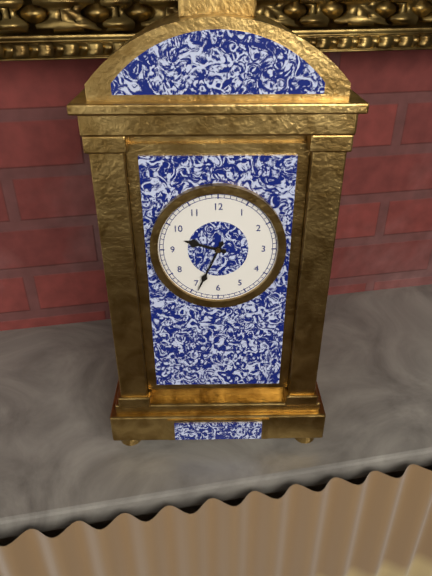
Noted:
**9:34**
